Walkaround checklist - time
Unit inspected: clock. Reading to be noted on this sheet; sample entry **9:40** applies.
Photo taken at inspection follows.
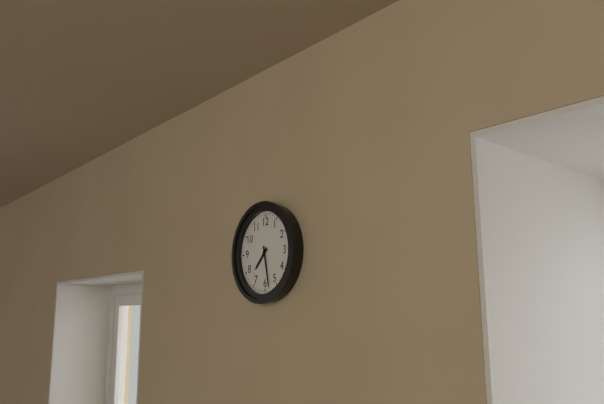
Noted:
**7:28**
